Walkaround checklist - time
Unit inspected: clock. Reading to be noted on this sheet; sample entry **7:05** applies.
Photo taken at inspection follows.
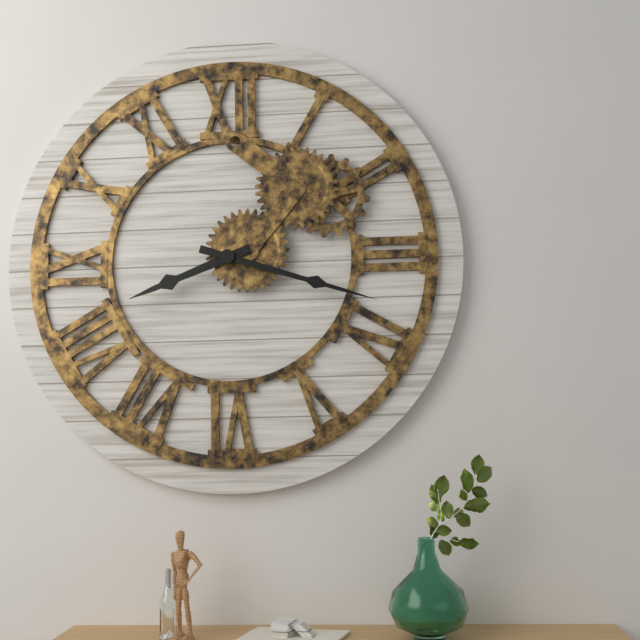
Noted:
**8:18**
